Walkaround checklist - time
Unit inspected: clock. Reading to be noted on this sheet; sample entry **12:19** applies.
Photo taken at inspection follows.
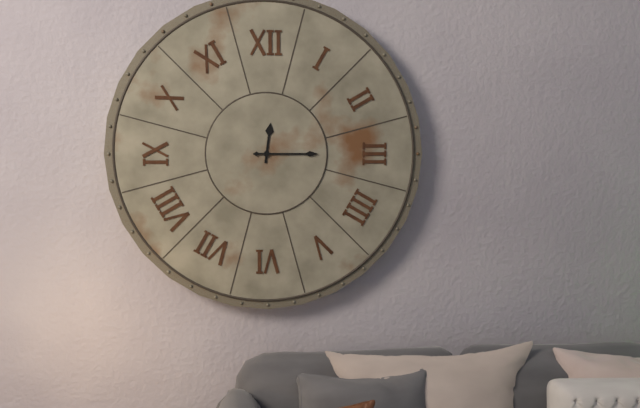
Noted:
**12:15**
